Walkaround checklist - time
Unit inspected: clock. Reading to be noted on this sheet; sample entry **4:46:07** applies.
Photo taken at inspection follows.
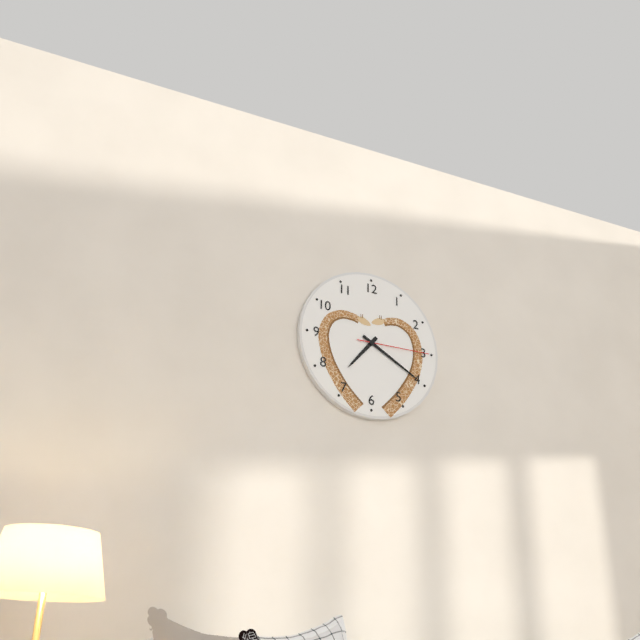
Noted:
**7:20:15**
